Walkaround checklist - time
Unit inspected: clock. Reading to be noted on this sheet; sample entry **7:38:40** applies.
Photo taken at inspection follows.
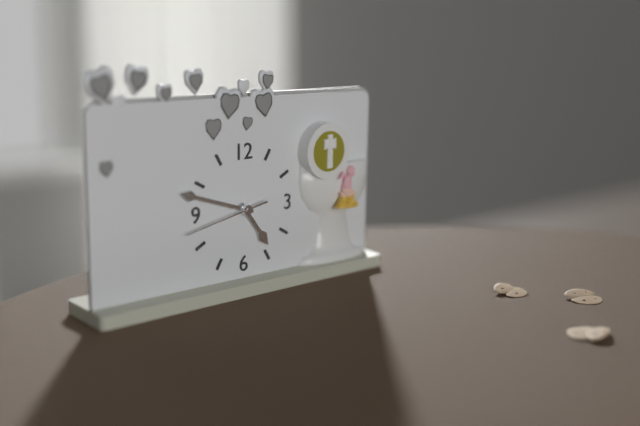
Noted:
**4:48:43**
